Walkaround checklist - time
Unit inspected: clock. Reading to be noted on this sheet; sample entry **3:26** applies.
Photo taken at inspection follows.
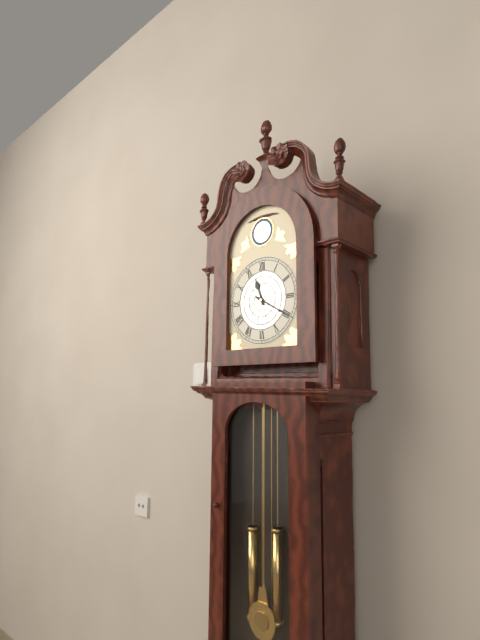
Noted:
**11:20**
